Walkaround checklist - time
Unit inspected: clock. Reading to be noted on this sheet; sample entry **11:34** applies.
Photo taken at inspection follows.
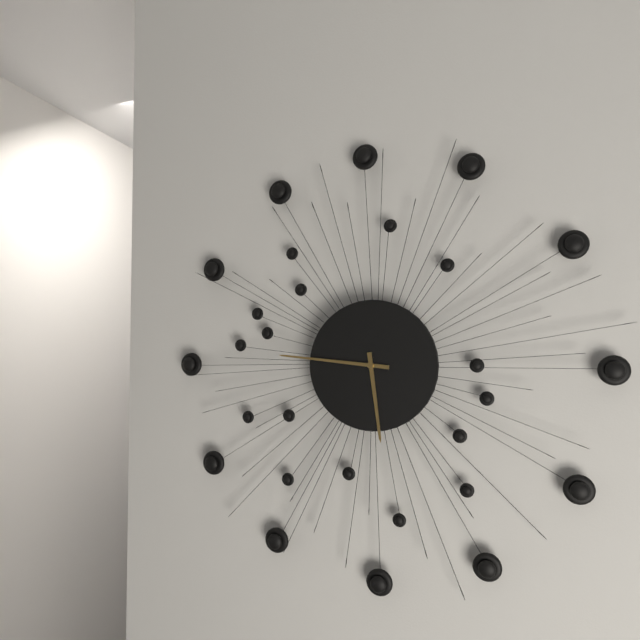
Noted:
**5:46**
